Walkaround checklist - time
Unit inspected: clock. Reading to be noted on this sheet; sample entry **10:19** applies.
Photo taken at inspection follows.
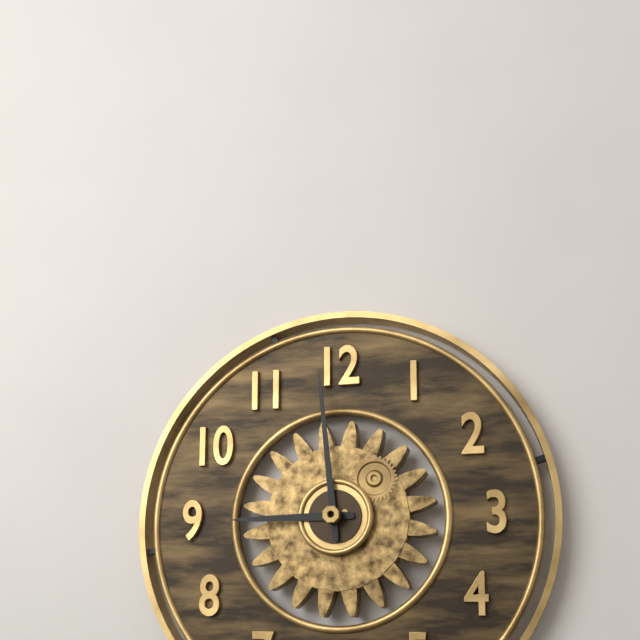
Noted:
**8:59**
